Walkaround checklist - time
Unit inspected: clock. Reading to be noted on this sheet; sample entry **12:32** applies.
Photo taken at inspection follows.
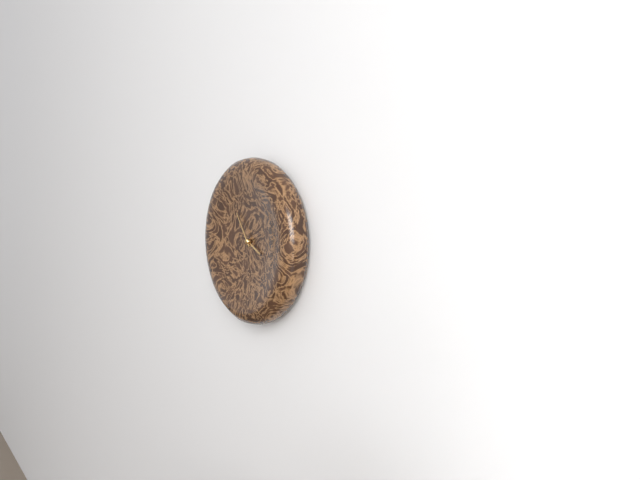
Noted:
**3:54**
